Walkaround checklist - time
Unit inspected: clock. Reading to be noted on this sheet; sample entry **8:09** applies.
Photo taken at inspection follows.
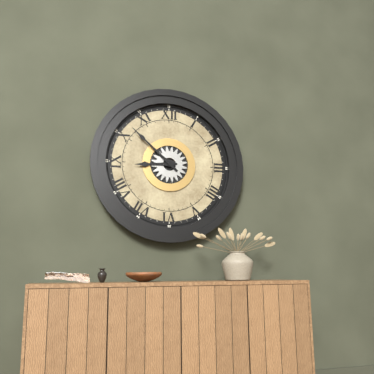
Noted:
**8:52**
